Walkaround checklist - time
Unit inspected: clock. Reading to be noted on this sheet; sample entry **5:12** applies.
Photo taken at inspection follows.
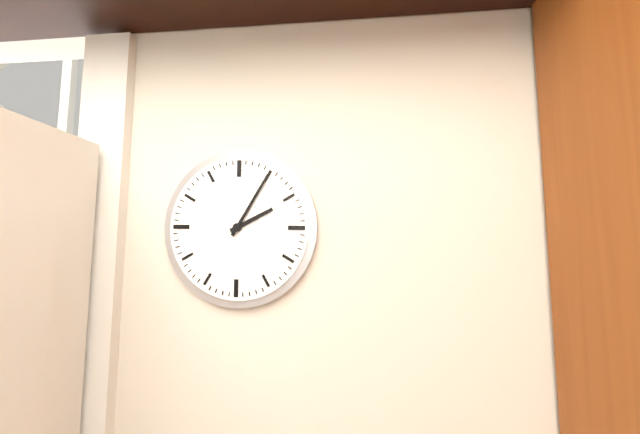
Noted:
**2:05**
